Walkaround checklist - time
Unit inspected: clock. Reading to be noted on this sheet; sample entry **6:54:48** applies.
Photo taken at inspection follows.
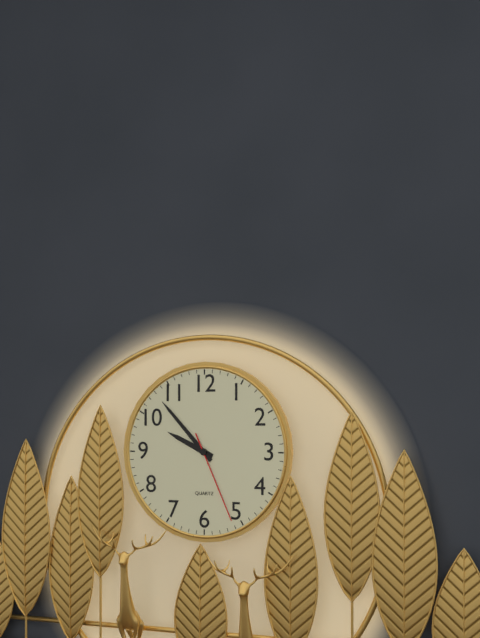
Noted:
**9:53:26**
